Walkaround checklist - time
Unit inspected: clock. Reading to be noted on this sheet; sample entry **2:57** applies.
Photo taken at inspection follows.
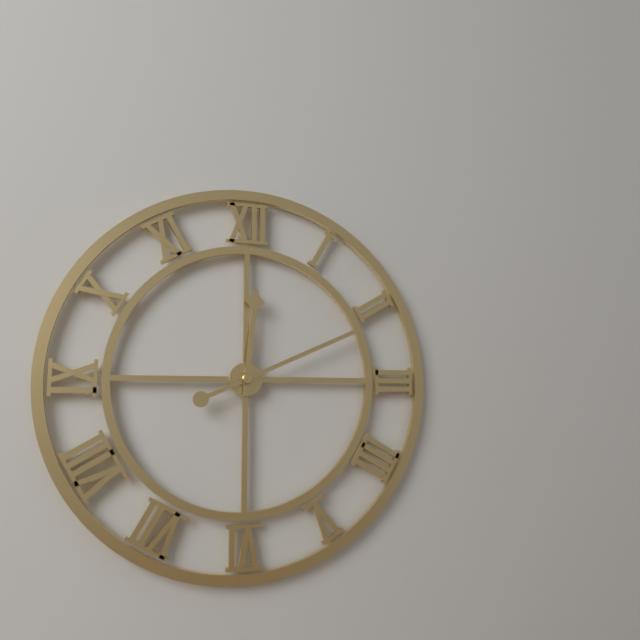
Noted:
**12:11**
